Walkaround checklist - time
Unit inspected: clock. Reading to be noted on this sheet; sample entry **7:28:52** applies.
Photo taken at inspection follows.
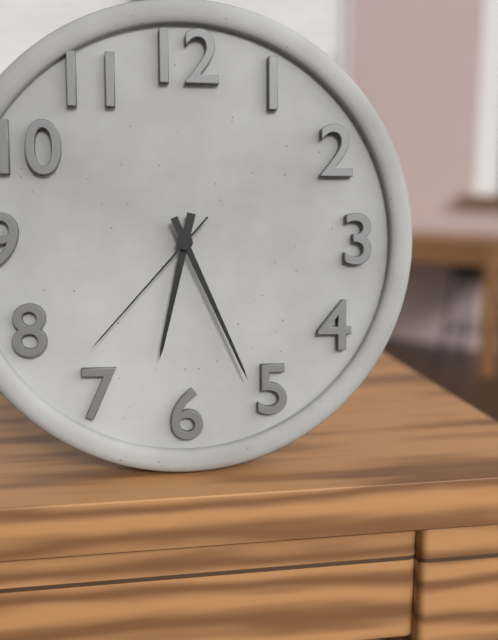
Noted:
**6:26:37**
